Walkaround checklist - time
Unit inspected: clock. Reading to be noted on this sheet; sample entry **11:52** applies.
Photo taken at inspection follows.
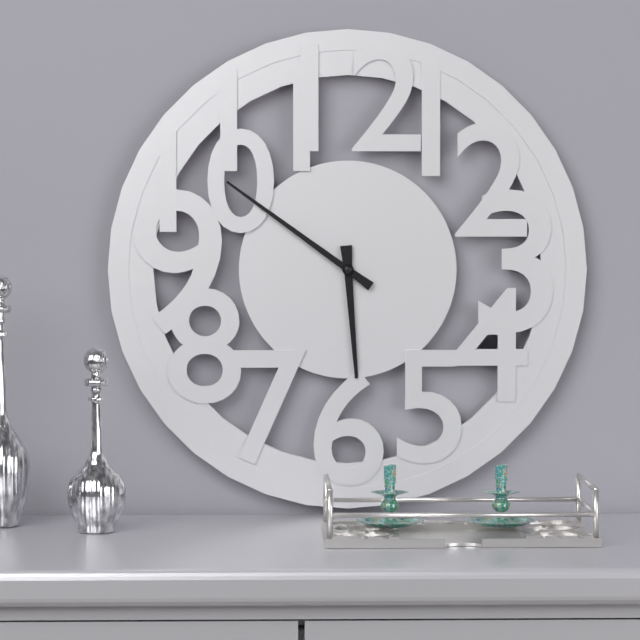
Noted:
**5:51**
